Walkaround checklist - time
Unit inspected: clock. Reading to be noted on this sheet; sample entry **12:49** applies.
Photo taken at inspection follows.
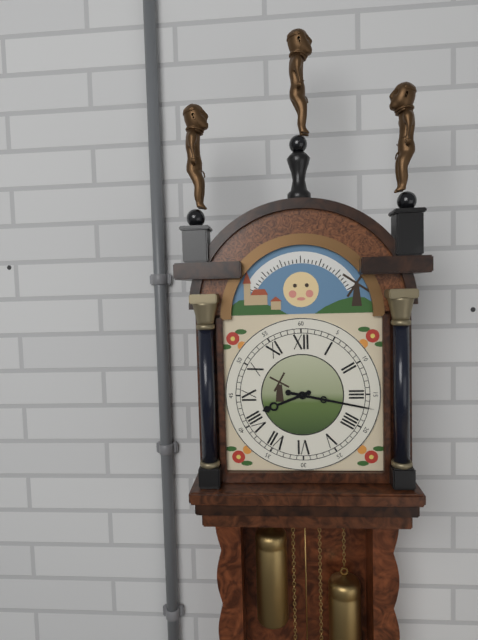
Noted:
**8:17**
